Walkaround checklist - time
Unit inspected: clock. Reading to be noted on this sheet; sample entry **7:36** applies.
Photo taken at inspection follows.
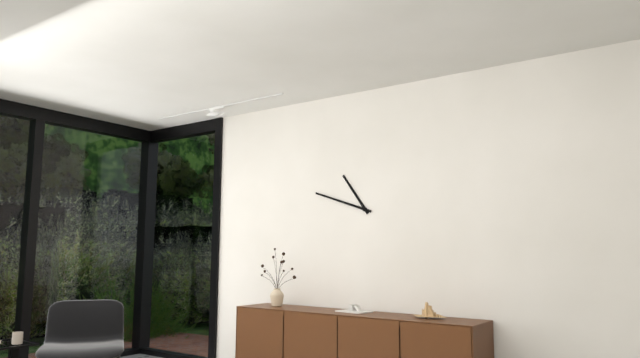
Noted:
**10:48**
